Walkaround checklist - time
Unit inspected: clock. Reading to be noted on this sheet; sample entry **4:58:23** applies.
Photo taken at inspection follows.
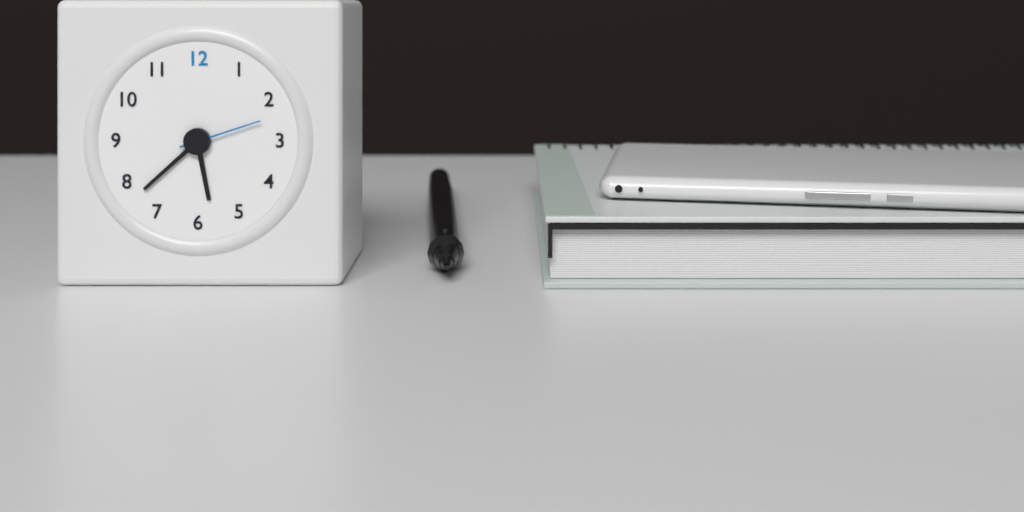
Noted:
**5:38:12**
